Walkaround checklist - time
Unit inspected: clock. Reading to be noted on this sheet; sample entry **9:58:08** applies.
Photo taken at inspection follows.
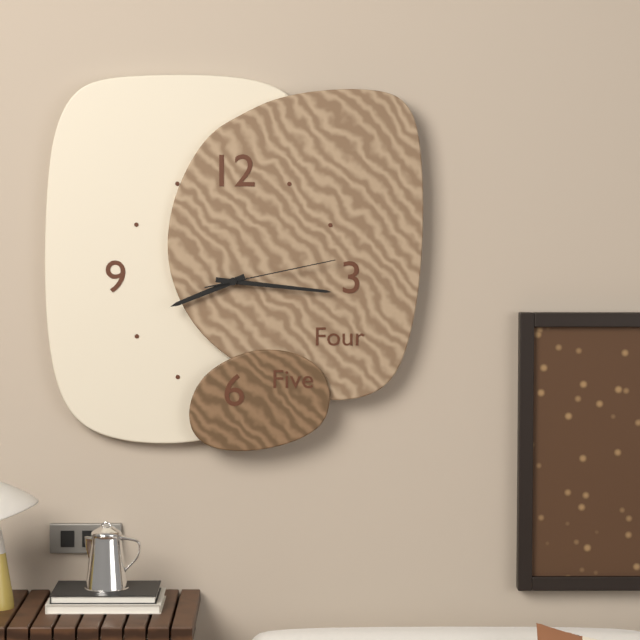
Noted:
**8:16:13**
